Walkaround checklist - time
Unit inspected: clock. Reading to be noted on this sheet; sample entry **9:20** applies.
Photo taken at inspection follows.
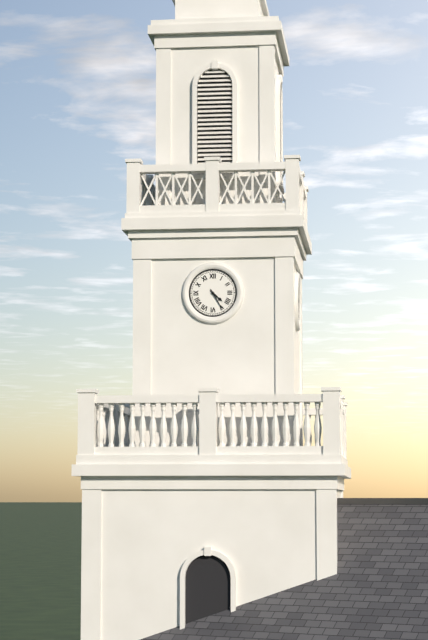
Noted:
**4:25**
